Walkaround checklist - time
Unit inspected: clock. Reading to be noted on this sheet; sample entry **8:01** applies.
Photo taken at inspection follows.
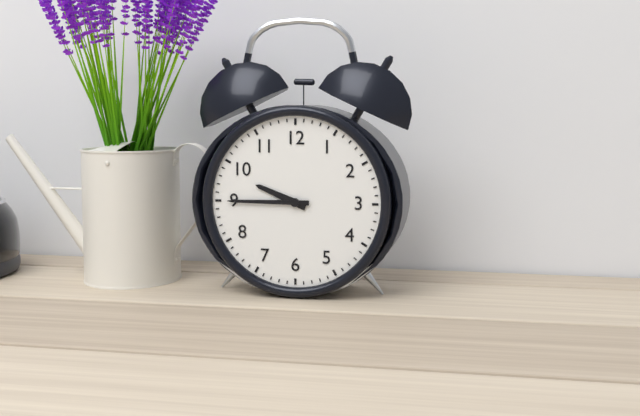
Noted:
**9:45**
